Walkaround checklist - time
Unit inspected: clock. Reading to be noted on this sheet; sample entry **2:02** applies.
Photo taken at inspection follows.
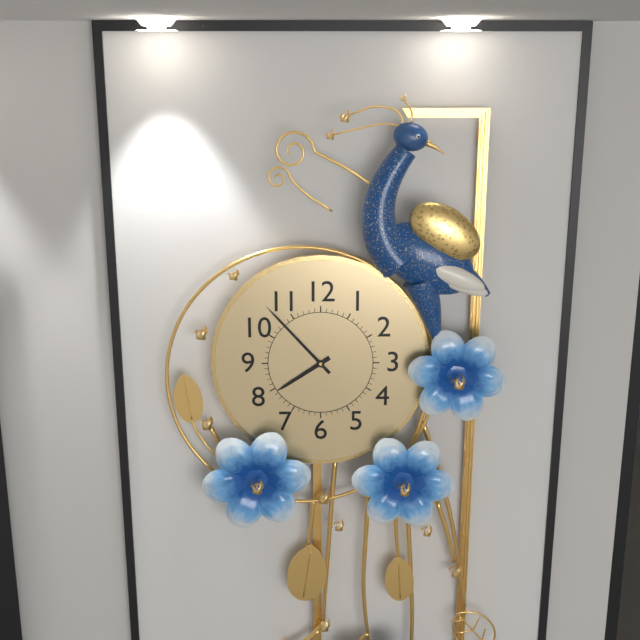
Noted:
**7:53**
